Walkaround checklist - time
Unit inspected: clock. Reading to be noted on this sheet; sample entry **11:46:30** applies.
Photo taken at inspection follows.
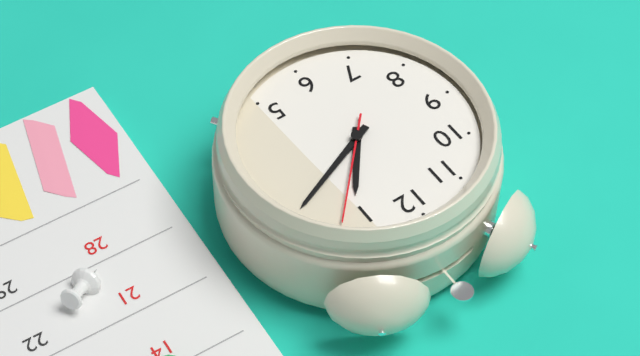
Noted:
**1:11:07**
